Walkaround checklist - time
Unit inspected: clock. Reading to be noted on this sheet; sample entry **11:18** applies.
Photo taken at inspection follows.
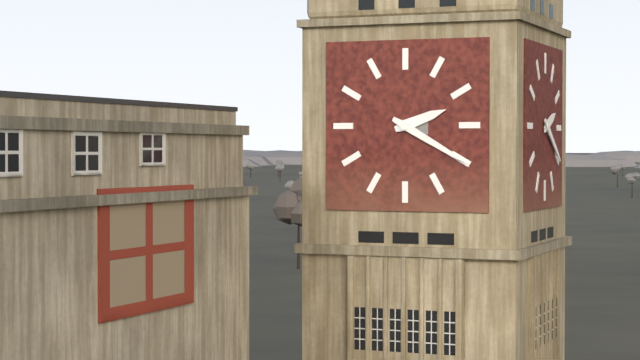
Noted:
**2:20**
